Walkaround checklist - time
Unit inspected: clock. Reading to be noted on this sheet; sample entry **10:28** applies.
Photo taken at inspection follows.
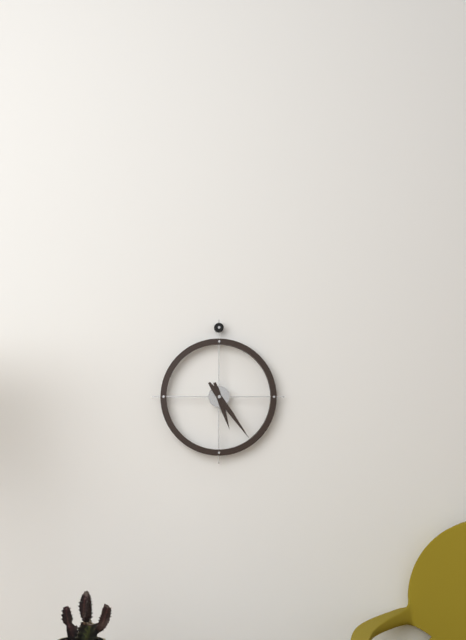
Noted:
**5:24**
